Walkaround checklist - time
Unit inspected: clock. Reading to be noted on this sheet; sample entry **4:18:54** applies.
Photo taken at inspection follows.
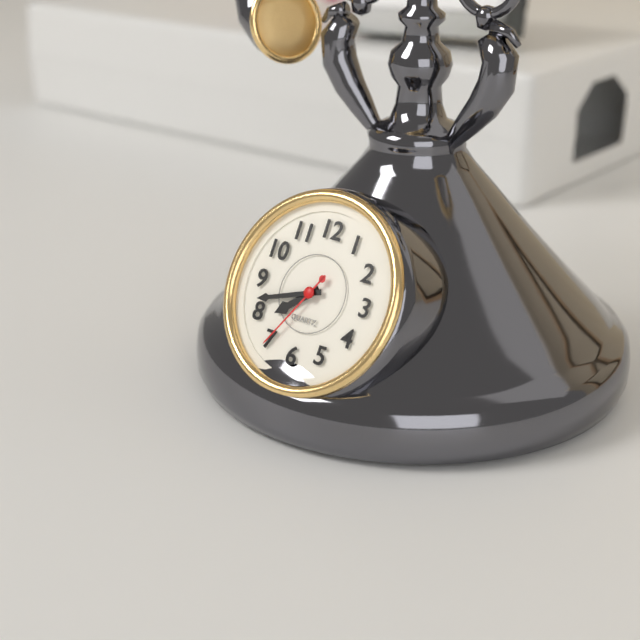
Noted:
**7:42:35**
